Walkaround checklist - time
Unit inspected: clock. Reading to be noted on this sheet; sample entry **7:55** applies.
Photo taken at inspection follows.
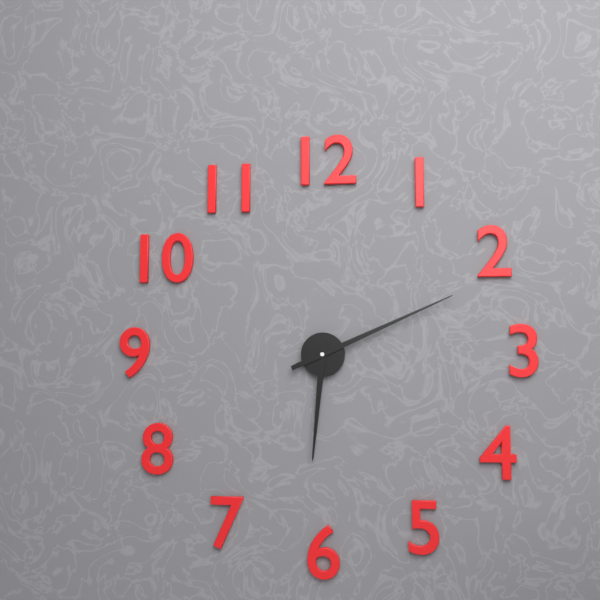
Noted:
**6:11**
